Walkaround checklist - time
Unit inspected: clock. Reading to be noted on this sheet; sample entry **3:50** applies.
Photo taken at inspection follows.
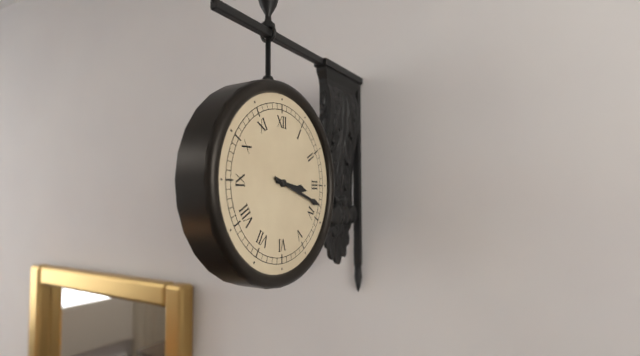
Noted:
**3:18**
